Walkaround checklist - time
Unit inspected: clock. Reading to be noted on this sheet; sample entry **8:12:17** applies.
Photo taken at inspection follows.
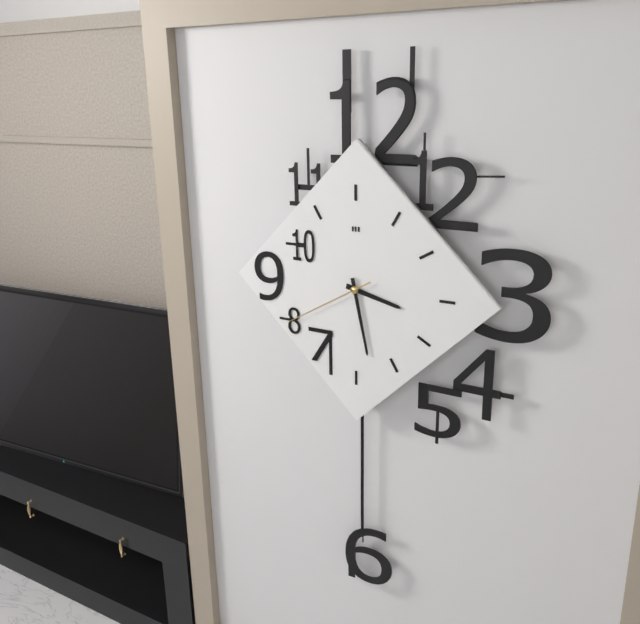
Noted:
**3:28:40**
